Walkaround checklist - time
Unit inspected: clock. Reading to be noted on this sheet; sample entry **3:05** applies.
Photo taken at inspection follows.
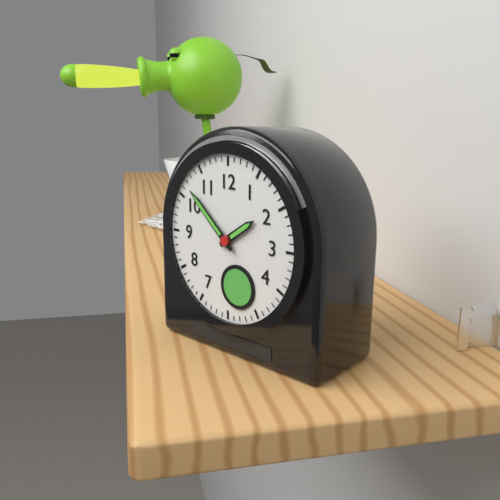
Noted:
**1:52**
